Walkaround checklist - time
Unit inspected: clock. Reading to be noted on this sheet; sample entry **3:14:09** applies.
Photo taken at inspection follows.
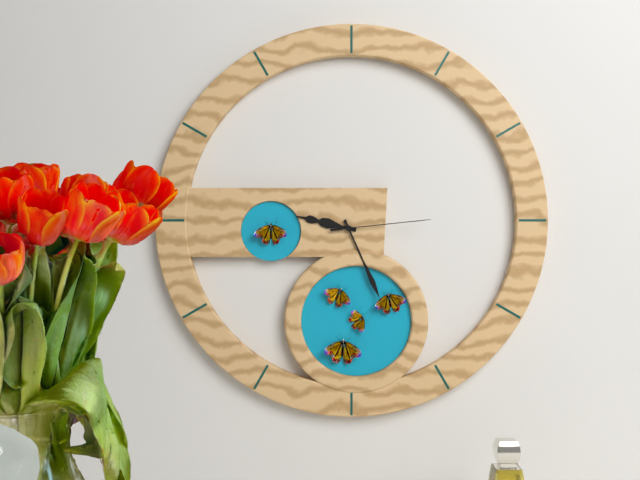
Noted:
**9:26:14**
